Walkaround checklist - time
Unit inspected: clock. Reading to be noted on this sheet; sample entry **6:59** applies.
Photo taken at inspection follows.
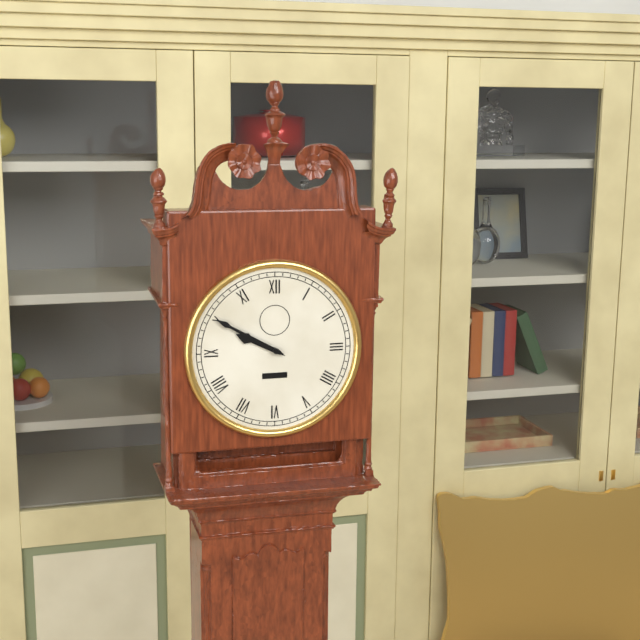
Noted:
**9:50**
